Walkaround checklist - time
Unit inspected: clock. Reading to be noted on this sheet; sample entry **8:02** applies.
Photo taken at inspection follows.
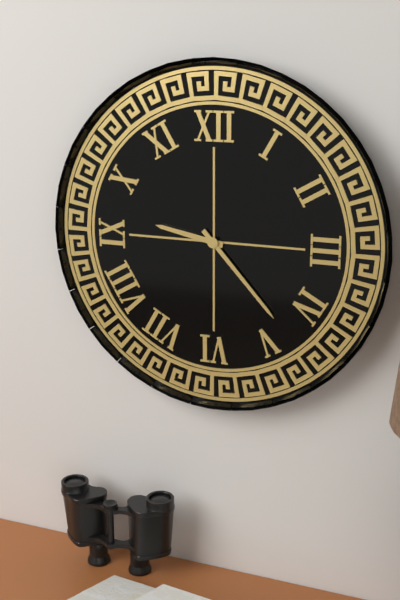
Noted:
**9:23**
